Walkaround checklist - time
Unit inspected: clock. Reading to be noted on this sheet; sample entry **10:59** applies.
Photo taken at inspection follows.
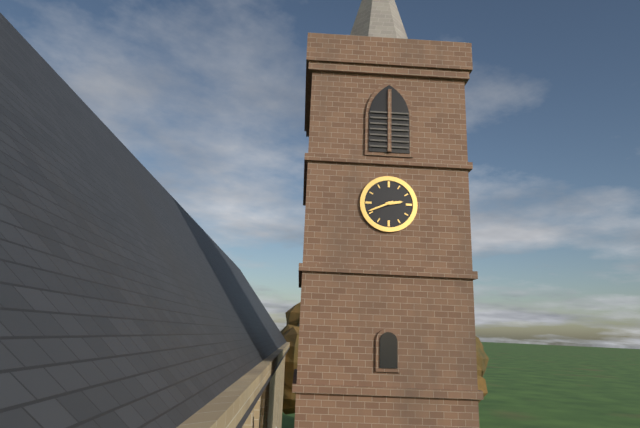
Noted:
**2:41**
